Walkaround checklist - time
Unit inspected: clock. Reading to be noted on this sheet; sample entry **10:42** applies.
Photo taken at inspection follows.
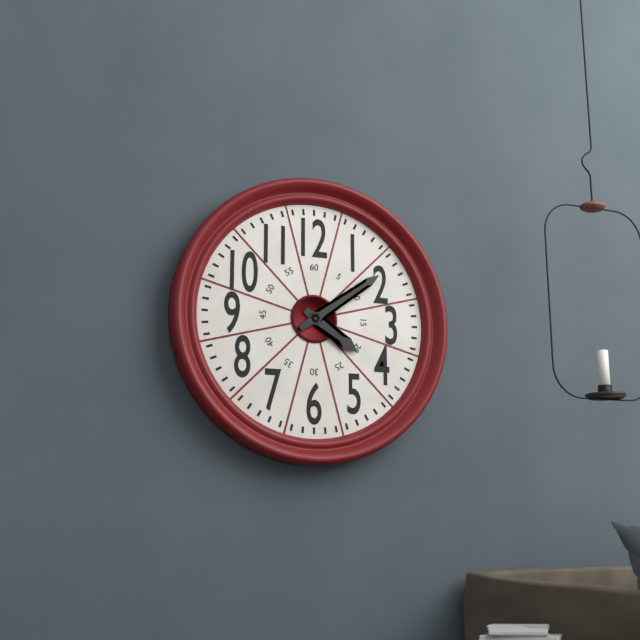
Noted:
**4:09**
